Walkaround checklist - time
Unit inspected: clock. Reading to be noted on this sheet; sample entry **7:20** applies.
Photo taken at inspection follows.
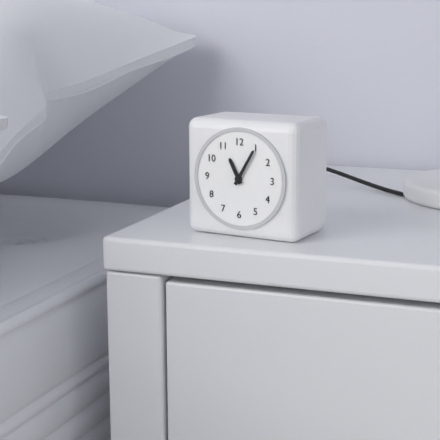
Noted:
**11:05**
